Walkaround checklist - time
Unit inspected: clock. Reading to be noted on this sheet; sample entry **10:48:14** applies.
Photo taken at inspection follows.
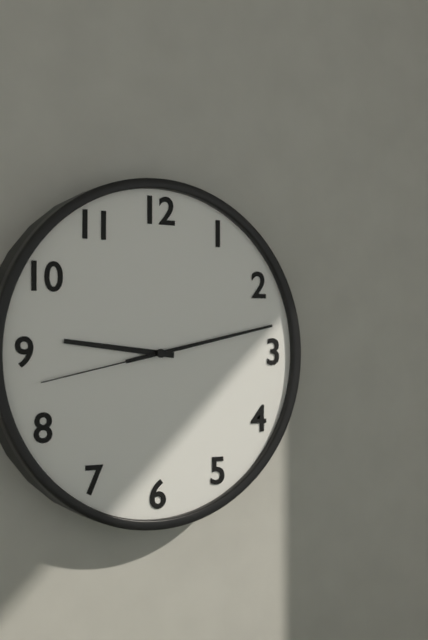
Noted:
**9:13:43**
